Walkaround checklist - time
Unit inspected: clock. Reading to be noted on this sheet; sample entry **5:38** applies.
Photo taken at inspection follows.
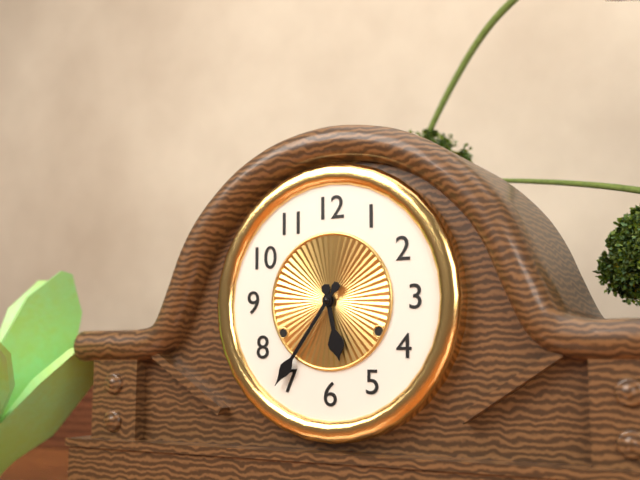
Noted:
**5:36**
